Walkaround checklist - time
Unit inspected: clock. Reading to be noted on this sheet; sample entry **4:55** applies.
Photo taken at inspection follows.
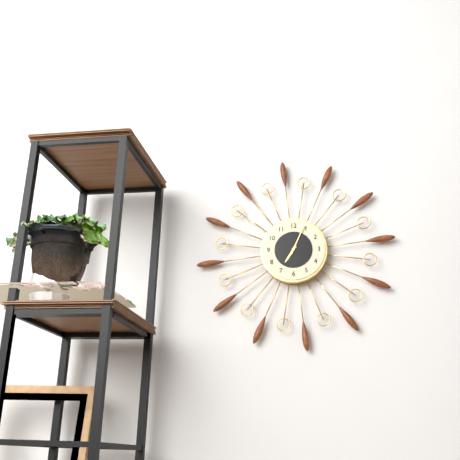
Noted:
**7:04**
